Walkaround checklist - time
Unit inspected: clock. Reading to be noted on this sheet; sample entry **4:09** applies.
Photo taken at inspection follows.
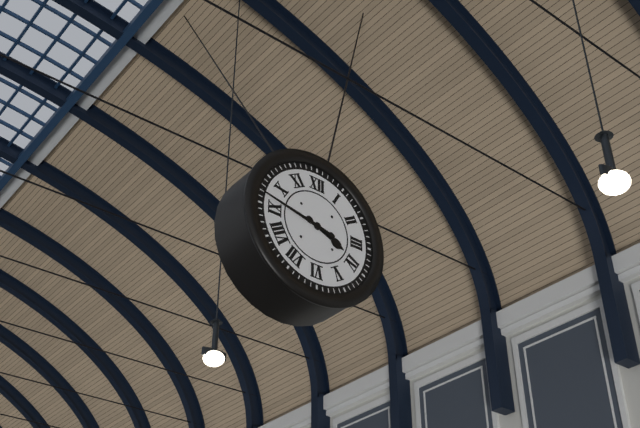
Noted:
**3:47**
